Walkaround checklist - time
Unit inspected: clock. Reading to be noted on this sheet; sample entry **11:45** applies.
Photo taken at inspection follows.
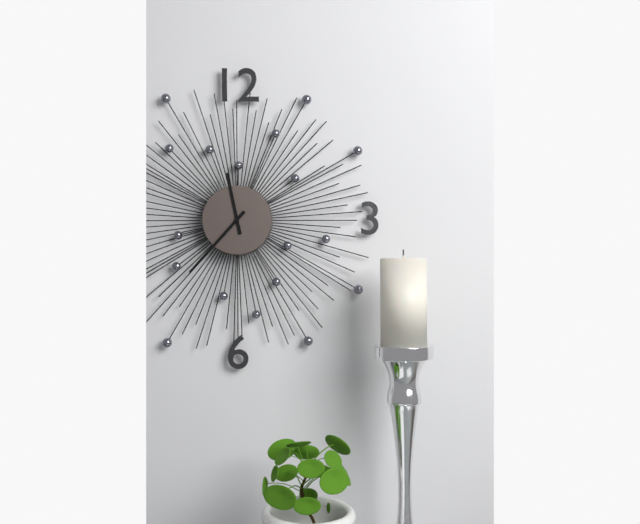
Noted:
**11:37**
